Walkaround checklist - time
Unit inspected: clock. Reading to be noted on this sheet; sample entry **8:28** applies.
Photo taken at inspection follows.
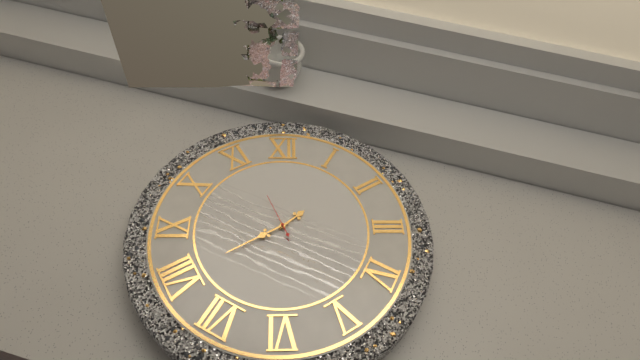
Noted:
**1:40**
